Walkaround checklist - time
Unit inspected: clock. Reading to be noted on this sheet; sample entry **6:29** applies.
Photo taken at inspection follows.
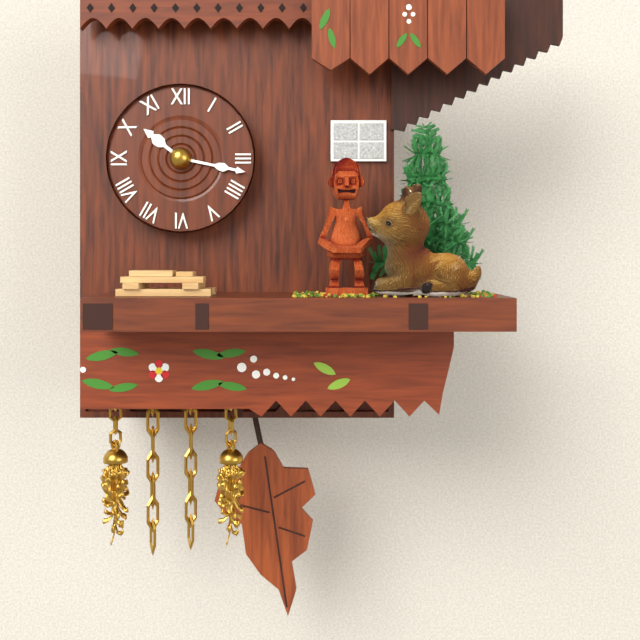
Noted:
**10:17**
